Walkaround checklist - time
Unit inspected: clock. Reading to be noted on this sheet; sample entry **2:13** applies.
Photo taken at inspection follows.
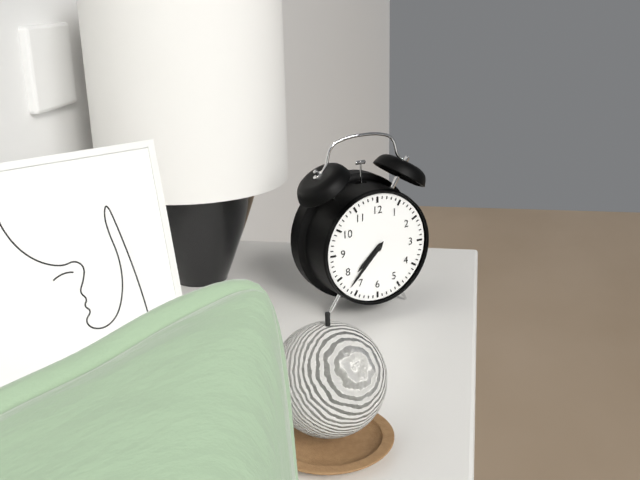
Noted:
**7:37**
